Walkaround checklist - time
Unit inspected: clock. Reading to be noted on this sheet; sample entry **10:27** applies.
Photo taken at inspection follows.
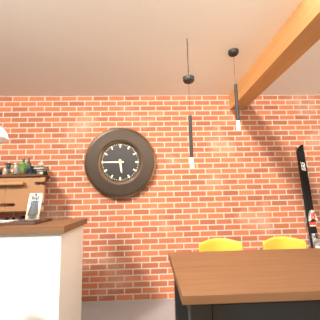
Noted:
**5:45**
